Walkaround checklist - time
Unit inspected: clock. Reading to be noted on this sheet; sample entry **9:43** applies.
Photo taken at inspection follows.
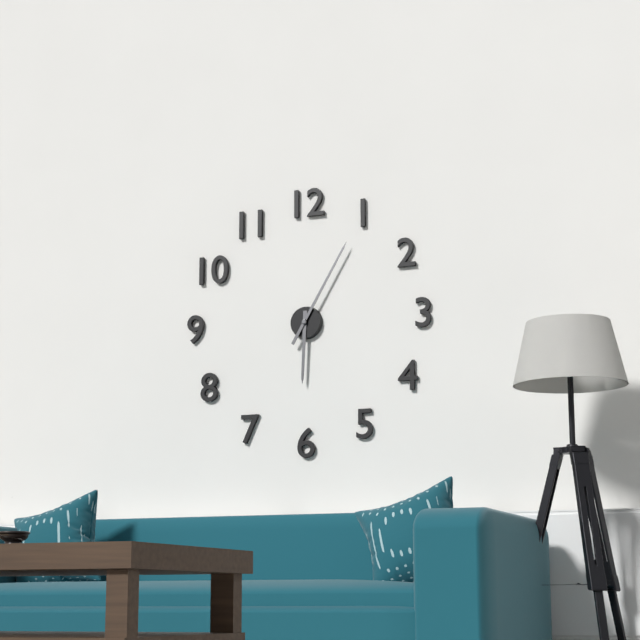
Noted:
**6:05**
